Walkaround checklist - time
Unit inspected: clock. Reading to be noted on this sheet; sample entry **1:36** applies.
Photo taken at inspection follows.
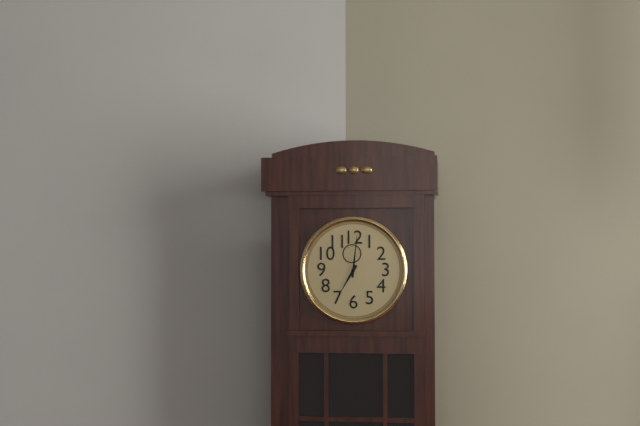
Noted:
**7:01**
